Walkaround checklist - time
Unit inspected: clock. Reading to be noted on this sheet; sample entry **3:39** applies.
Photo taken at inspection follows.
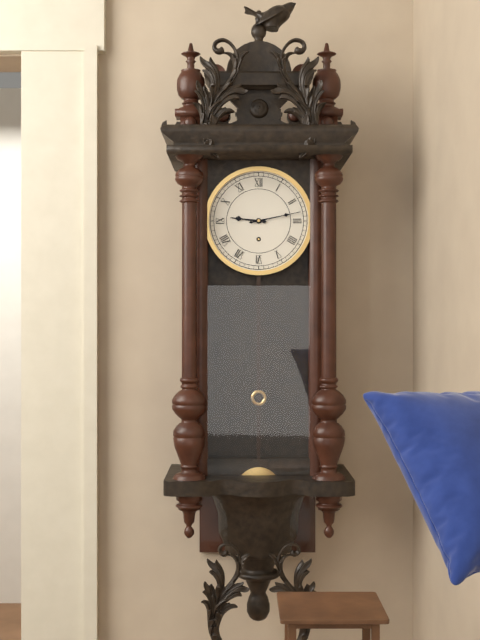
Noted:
**9:13**
